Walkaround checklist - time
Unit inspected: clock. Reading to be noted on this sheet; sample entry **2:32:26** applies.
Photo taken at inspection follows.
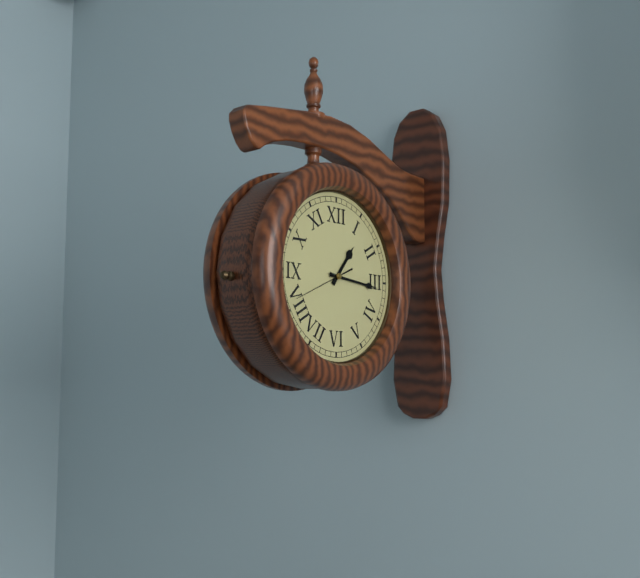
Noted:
**1:16:41**
